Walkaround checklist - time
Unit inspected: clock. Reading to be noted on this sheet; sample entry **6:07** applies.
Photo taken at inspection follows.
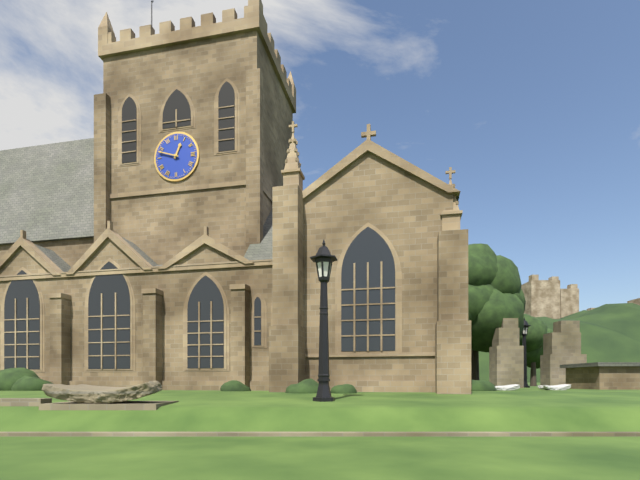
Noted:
**12:48**
